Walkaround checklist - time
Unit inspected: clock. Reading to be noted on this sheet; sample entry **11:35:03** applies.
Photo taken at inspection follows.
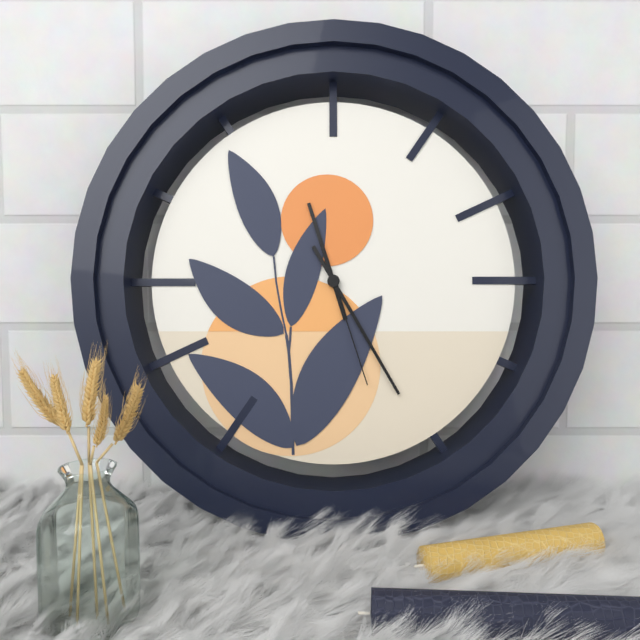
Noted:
**11:25:27**
